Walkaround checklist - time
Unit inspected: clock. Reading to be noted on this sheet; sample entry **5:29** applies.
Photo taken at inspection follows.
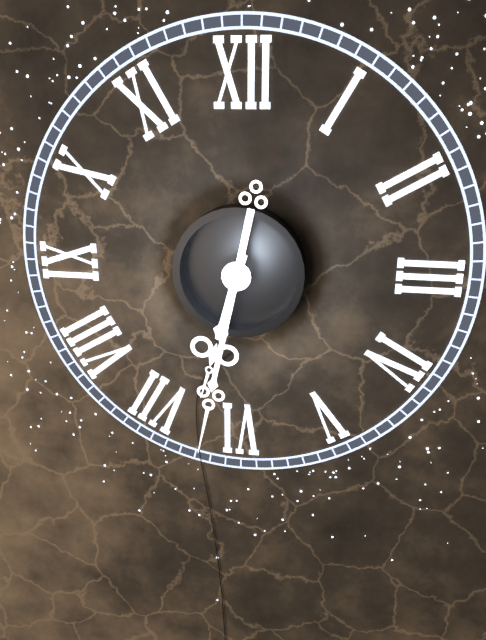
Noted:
**6:32**
